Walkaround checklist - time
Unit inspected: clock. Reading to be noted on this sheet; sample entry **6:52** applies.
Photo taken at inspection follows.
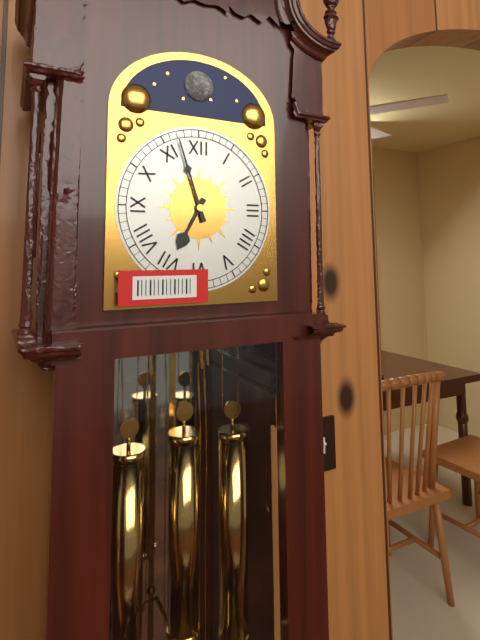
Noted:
**6:57**
